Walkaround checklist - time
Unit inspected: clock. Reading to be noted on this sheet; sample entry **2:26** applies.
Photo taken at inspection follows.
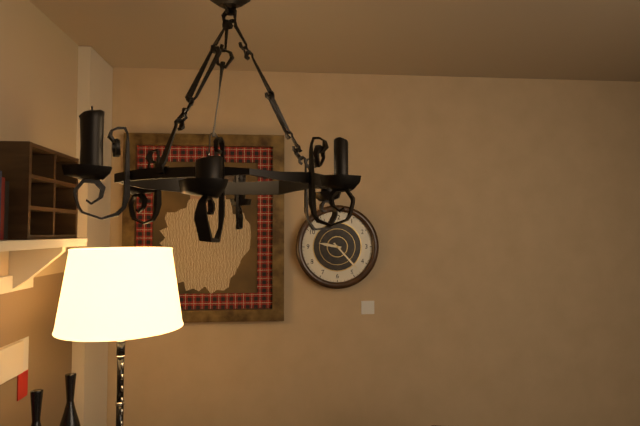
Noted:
**9:23**
